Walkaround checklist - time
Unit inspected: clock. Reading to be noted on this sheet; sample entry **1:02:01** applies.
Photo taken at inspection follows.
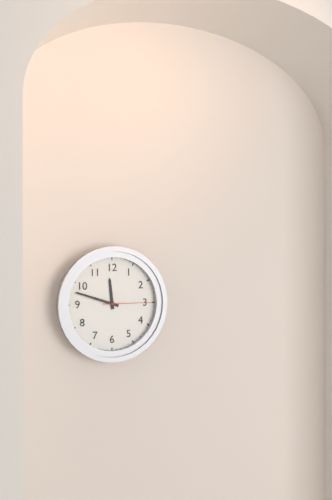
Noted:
**11:48:15**
